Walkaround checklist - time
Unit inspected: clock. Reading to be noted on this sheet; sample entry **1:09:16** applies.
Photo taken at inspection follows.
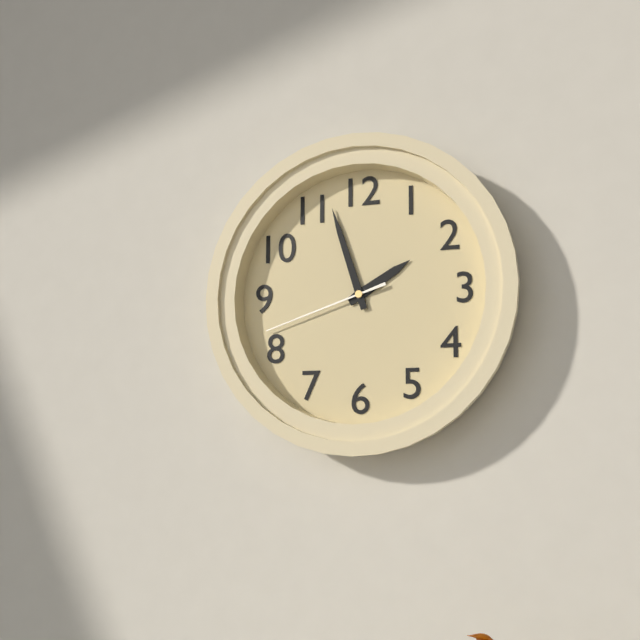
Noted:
**1:57:42**
